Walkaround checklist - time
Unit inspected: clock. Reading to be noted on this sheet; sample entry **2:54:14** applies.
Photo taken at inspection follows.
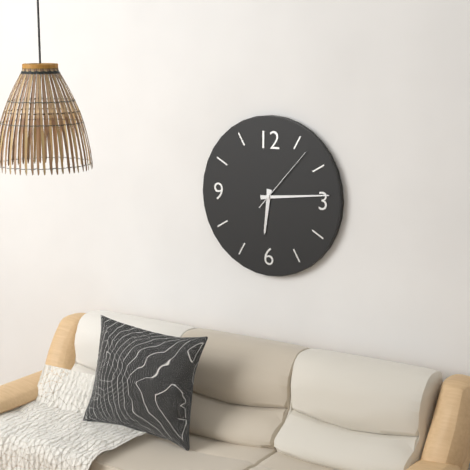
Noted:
**6:14:07**
